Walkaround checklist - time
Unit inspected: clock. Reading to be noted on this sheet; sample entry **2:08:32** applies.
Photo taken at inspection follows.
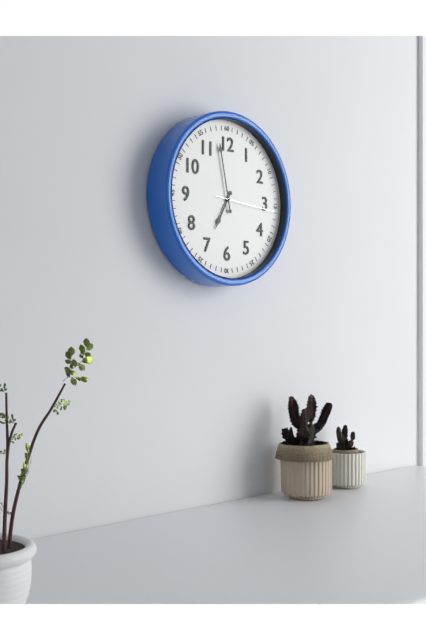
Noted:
**6:58:16**
